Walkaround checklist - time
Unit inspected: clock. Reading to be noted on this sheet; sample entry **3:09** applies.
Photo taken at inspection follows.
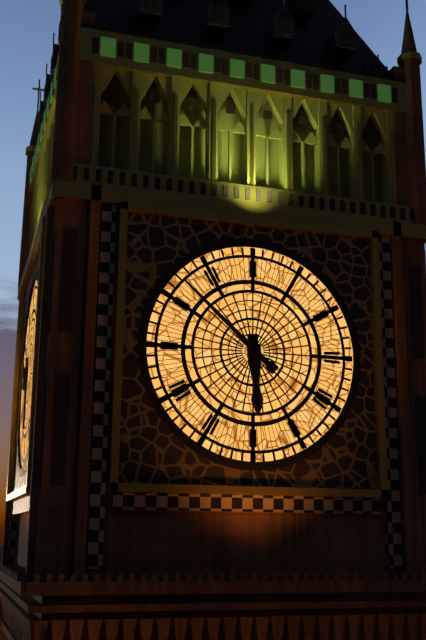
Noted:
**5:52**
